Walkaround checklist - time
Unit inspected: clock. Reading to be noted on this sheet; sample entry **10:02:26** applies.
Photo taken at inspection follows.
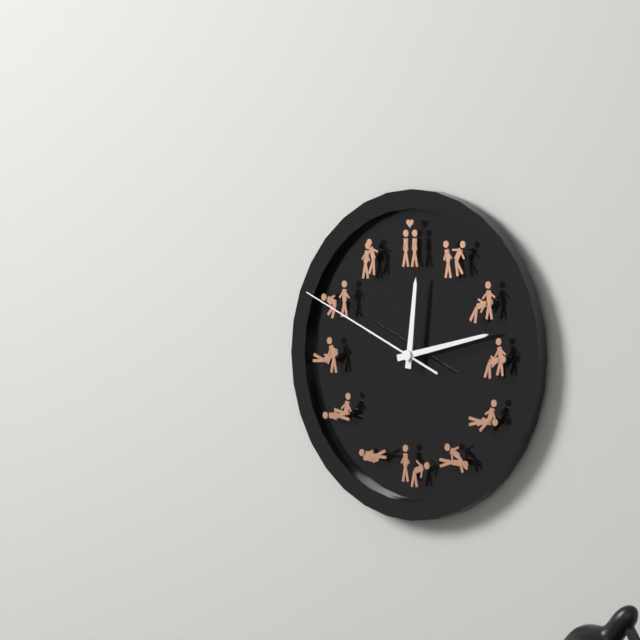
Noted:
**12:13:49**
